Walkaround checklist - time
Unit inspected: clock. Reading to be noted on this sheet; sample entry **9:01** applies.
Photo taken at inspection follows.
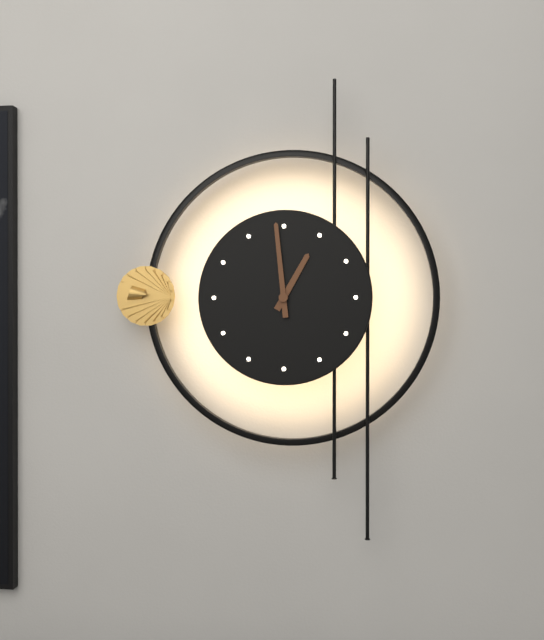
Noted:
**12:59**
